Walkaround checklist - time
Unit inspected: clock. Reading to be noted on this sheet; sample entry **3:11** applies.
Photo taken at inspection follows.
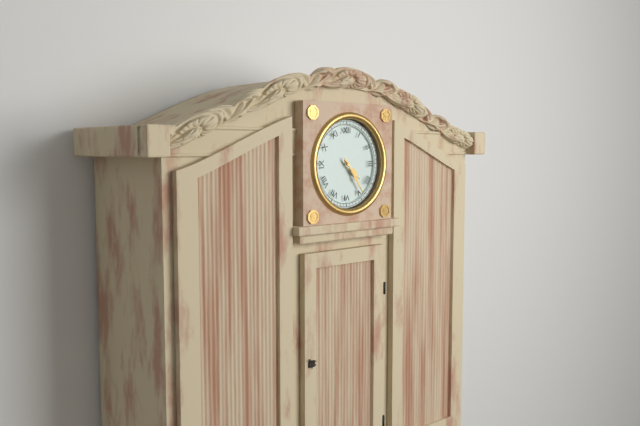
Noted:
**4:24**
